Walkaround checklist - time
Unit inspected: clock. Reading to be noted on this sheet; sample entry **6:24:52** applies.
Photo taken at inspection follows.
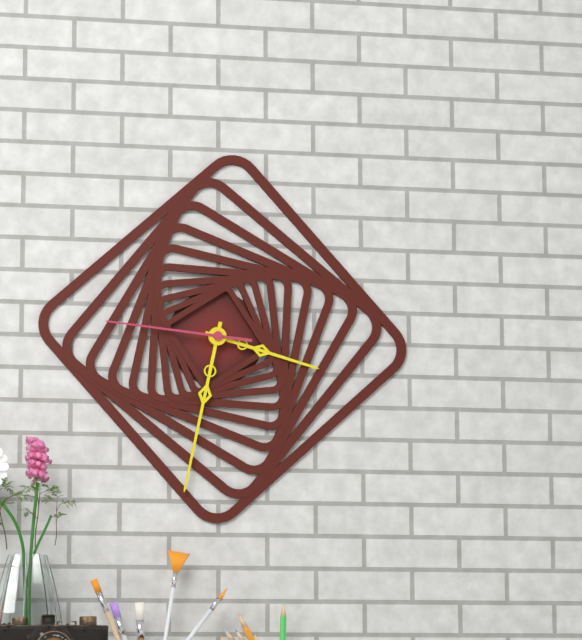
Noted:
**3:32:46**
